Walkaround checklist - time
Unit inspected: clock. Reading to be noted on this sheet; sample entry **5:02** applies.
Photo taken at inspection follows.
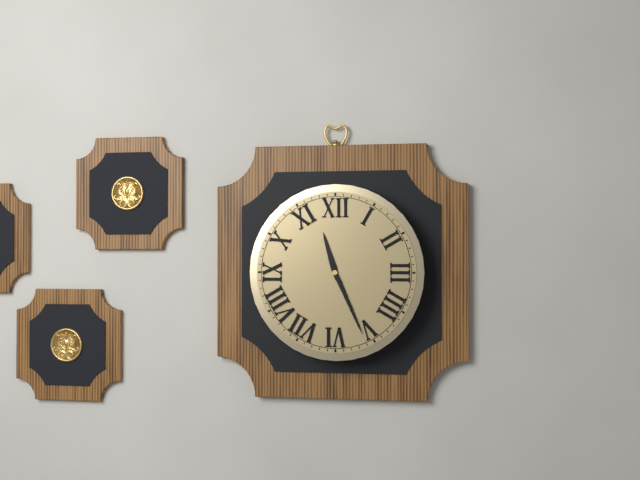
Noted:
**11:26**
